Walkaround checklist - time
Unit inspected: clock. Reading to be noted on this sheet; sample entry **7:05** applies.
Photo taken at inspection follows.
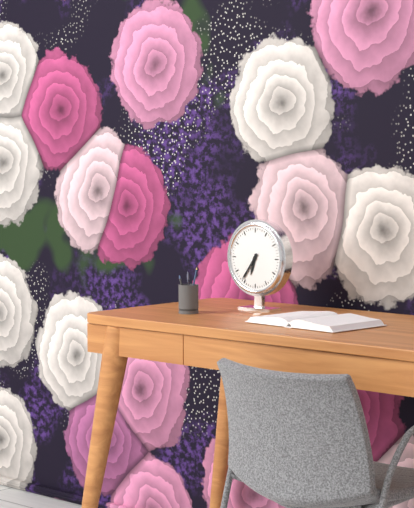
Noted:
**6:36**
